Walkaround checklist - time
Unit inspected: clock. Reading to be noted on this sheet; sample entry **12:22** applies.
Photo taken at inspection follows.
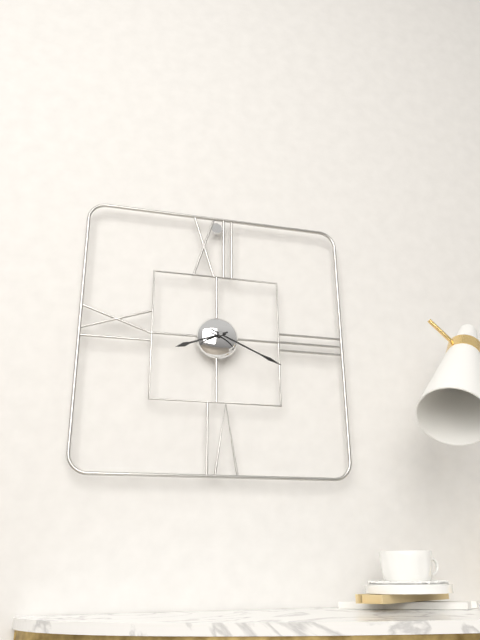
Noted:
**8:19**
